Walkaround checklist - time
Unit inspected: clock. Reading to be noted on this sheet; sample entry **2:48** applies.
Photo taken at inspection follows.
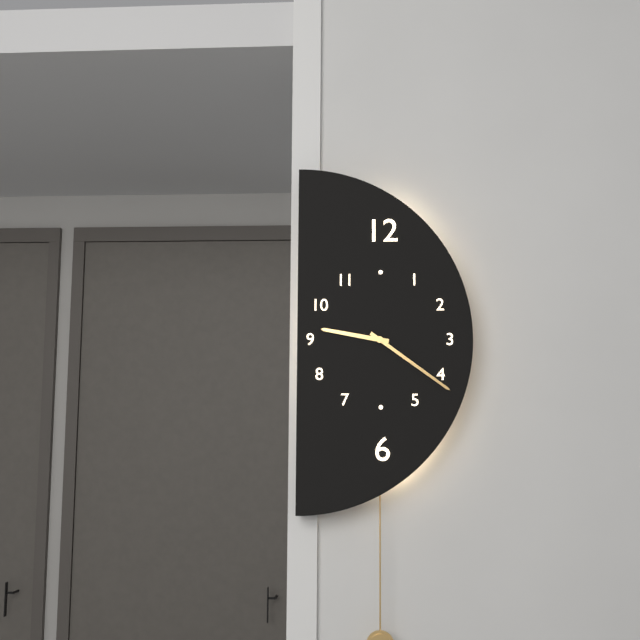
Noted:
**9:21**
